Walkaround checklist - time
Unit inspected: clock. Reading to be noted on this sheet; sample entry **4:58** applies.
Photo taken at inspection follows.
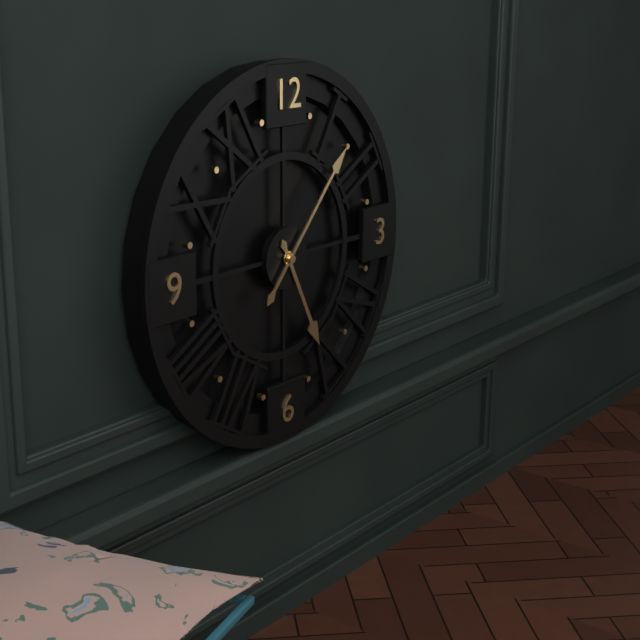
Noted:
**5:07**
